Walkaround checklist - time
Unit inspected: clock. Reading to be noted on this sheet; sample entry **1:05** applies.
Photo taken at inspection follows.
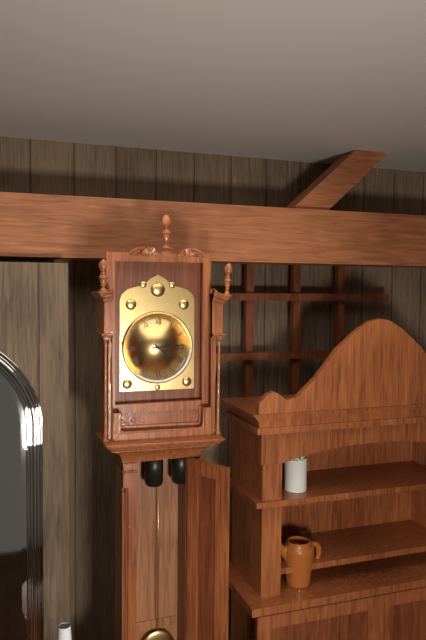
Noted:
**4:14**
